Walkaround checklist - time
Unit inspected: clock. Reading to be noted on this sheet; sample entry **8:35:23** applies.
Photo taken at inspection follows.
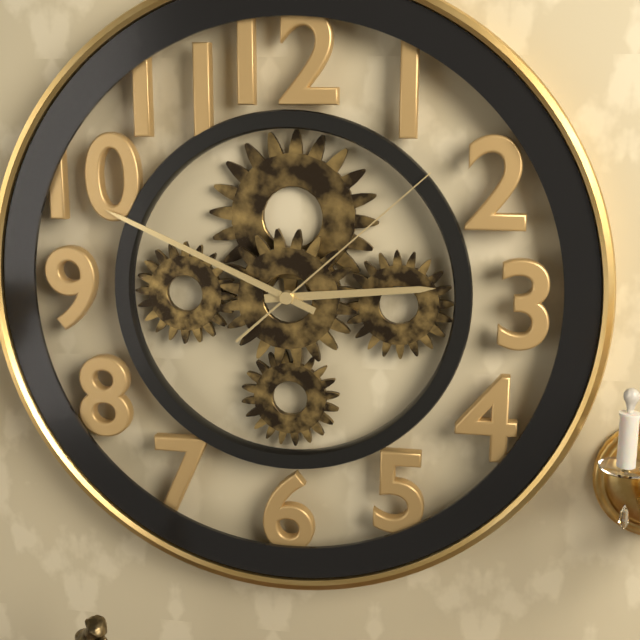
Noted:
**2:49:08**
